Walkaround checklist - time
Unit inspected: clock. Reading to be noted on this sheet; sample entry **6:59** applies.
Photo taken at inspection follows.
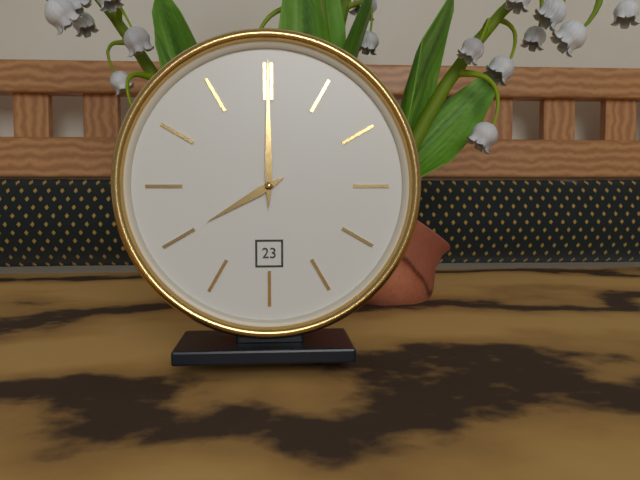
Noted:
**8:00**
